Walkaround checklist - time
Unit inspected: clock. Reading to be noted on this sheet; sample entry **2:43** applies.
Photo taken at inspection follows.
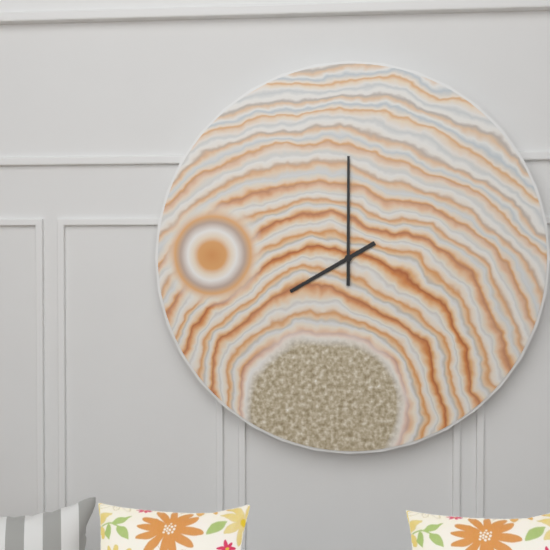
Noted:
**8:00**
